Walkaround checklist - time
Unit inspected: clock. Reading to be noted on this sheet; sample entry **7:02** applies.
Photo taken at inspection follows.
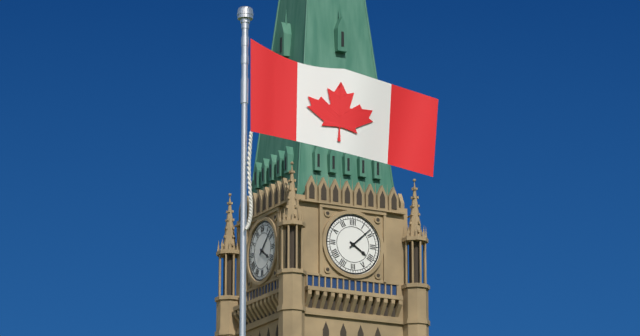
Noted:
**4:08**
